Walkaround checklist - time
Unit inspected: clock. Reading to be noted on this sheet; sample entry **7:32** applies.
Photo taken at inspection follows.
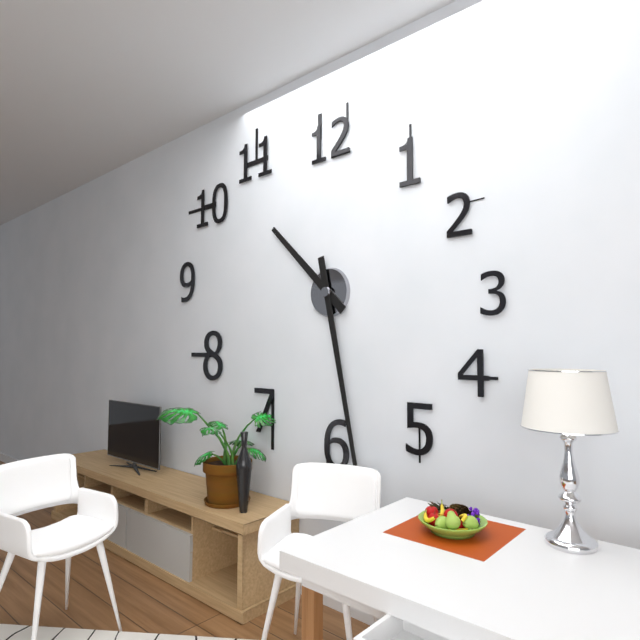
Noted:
**10:28**
